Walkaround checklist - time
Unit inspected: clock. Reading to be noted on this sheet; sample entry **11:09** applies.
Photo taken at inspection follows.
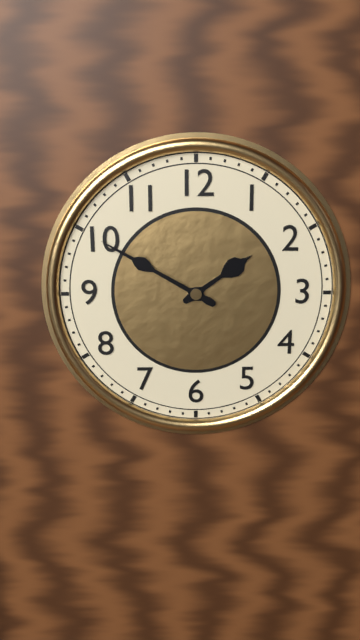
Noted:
**1:50**
